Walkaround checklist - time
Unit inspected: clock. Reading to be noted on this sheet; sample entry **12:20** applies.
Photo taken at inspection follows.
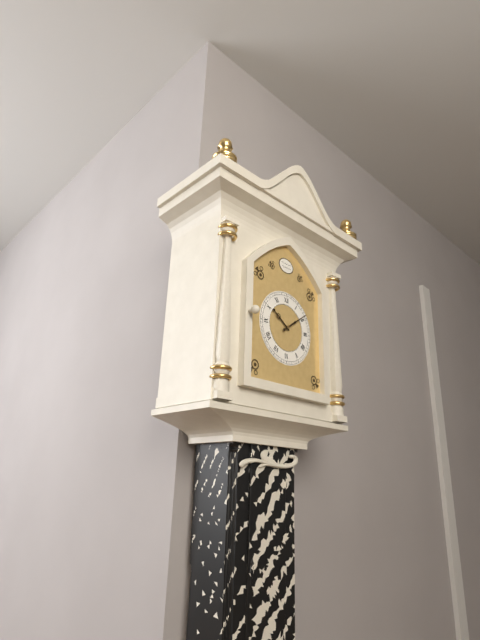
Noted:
**10:09**
